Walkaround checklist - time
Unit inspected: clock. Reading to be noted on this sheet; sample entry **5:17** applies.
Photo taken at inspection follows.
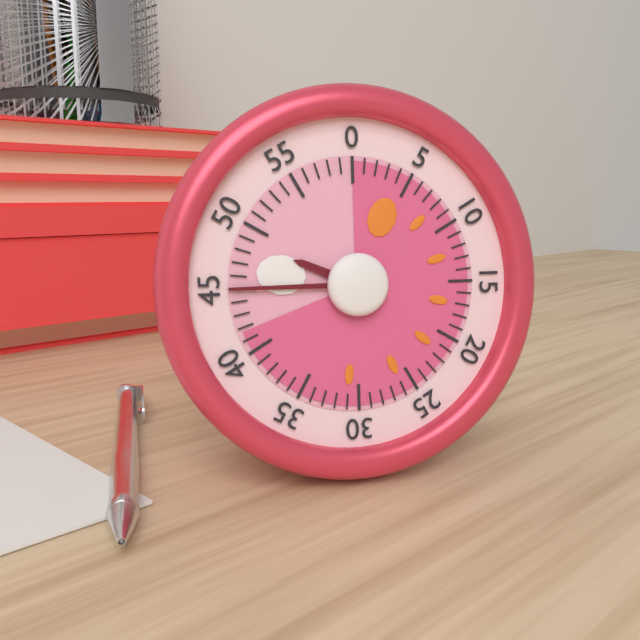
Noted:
**9:45**
